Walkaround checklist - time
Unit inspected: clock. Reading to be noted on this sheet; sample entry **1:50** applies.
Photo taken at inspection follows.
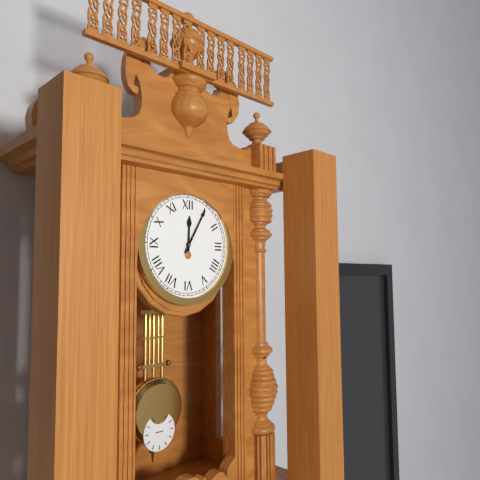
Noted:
**12:05**
